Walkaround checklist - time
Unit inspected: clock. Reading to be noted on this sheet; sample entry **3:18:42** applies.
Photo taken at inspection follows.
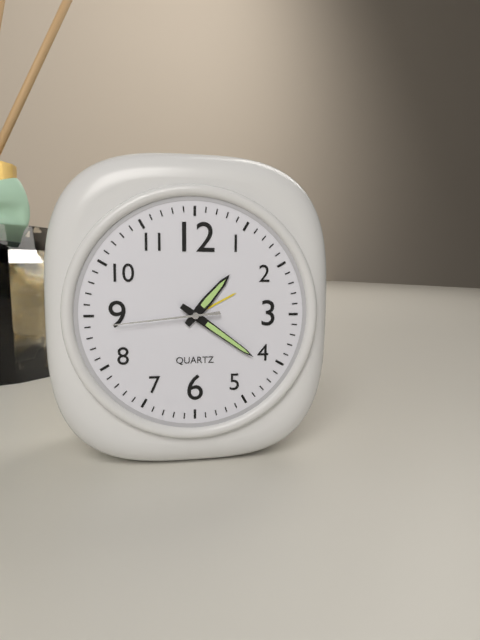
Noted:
**1:21:44**
